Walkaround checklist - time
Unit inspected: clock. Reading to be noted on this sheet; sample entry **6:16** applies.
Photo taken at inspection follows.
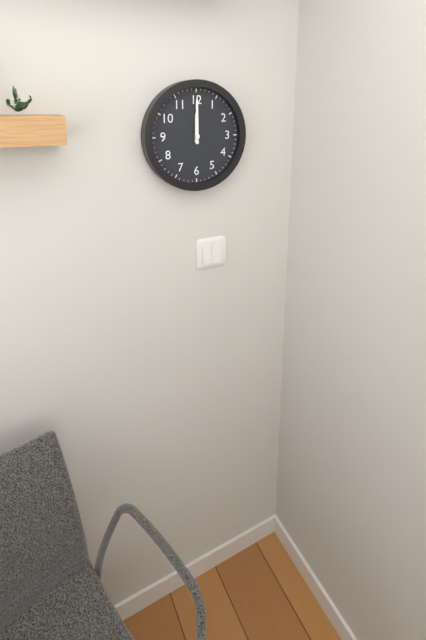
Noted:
**12:00**
